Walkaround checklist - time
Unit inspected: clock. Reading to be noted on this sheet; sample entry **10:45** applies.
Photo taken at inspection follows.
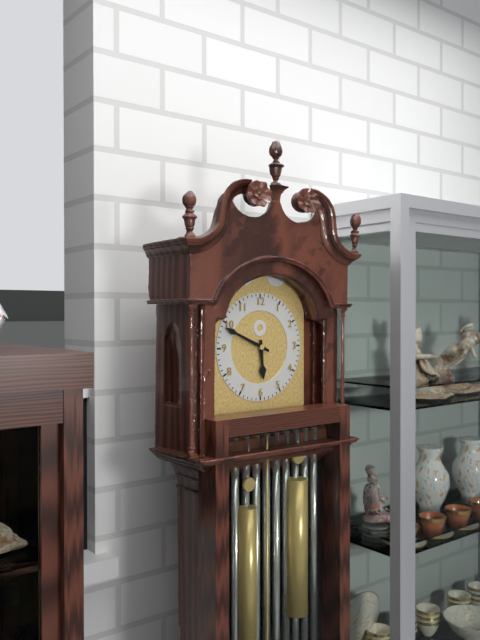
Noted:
**5:49**
